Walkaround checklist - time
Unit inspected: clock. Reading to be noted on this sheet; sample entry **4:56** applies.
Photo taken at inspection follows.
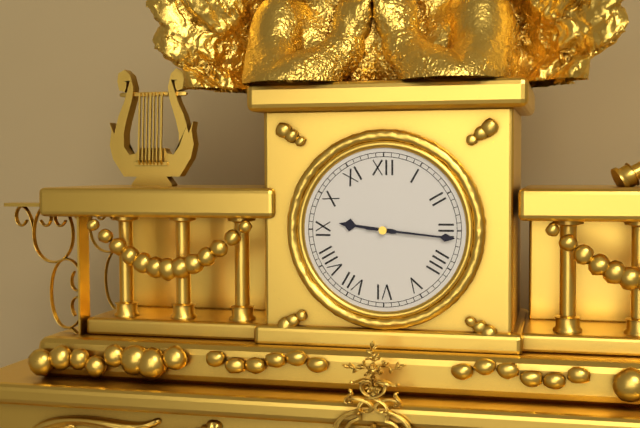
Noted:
**9:16**
